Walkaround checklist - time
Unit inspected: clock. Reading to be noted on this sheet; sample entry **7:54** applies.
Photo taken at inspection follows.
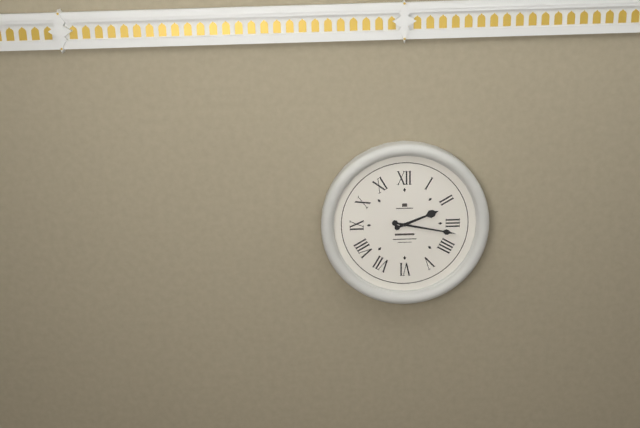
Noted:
**2:17**
